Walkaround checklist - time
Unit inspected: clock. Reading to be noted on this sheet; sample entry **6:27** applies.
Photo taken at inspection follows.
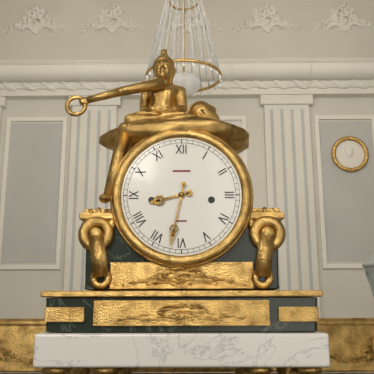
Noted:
**8:32**
